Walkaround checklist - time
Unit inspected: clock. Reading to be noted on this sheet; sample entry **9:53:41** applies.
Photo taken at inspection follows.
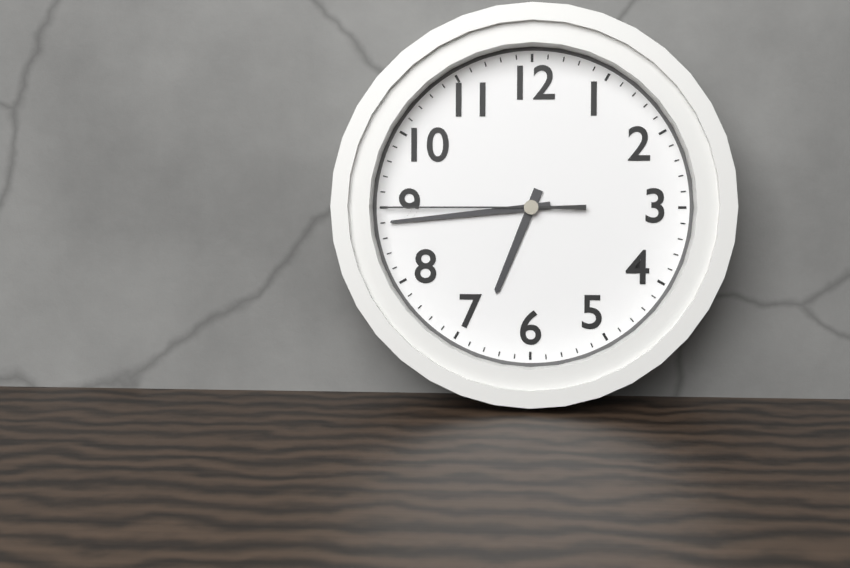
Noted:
**6:44:45**
